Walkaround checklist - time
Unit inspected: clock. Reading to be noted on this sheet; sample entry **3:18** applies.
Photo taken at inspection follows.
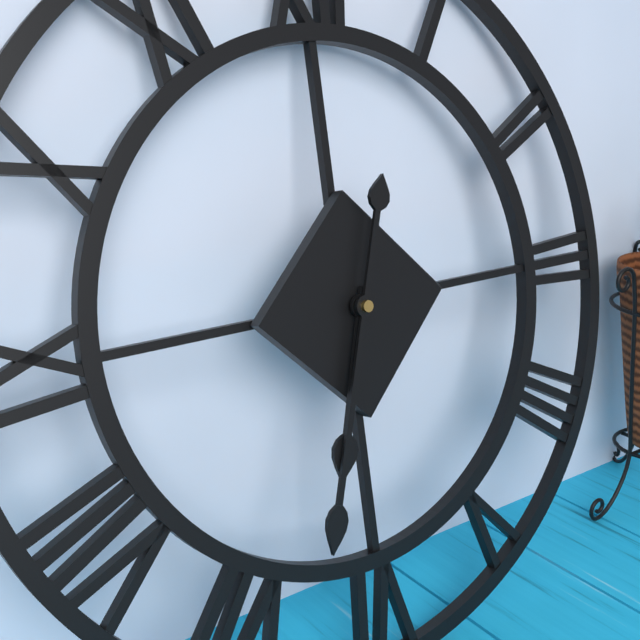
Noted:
**6:33**
